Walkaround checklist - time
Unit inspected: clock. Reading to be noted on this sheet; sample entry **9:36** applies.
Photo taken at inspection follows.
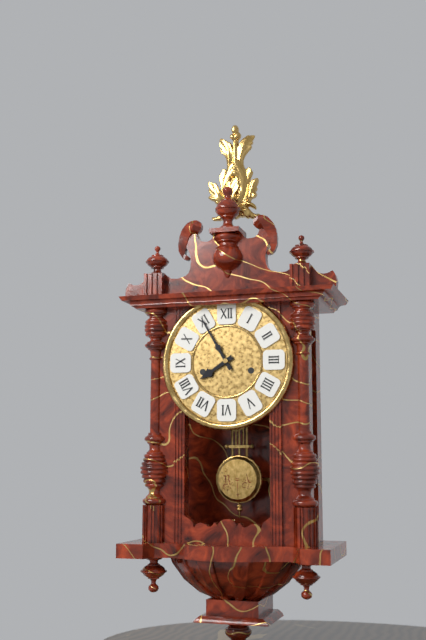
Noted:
**7:55**
